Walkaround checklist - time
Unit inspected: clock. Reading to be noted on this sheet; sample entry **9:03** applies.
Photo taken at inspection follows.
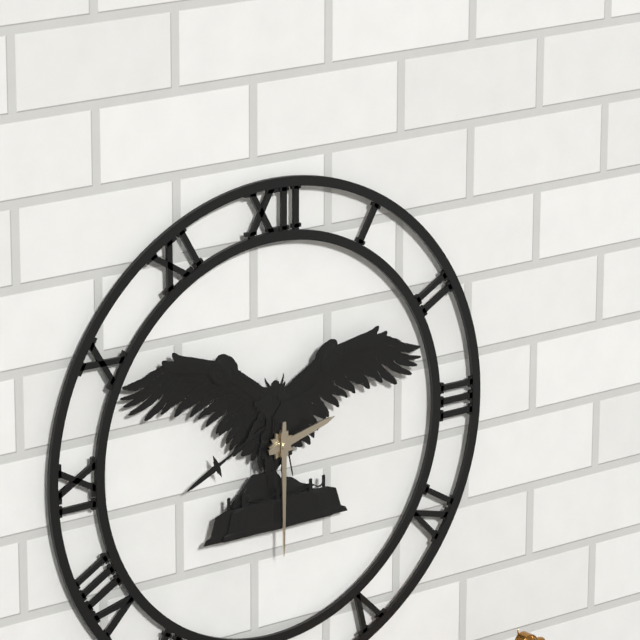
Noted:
**2:30**
